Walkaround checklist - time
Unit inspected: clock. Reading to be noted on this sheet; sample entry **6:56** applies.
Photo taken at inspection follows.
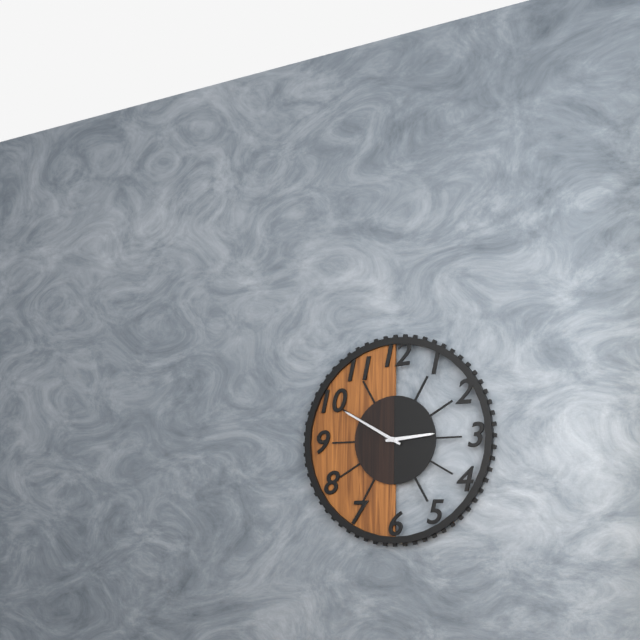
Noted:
**2:50**
